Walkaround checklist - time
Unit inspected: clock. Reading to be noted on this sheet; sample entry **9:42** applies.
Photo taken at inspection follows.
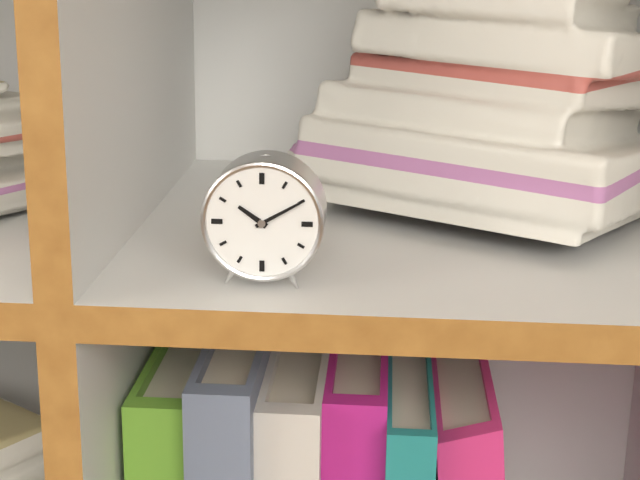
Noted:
**10:10**
